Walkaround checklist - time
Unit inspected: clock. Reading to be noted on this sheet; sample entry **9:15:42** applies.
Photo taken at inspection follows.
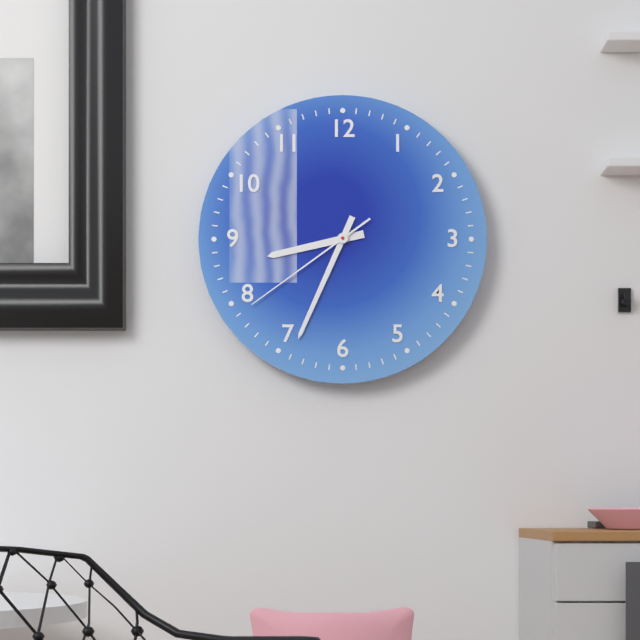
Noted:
**8:34:39**
